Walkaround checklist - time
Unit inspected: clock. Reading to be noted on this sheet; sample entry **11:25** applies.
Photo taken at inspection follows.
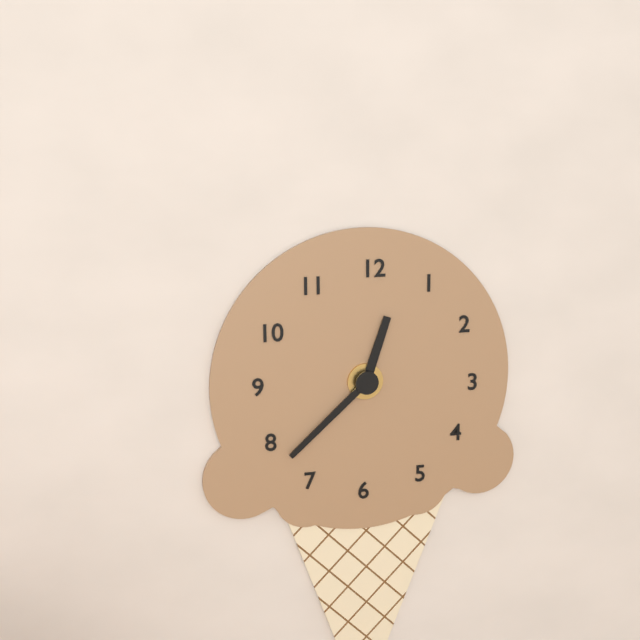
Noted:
**12:38**
